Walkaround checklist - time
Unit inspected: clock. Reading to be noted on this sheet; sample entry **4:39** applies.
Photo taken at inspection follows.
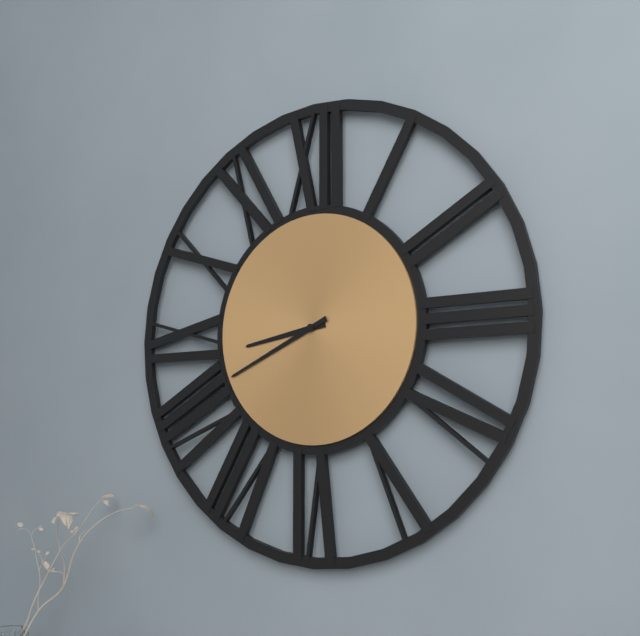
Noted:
**8:41**
